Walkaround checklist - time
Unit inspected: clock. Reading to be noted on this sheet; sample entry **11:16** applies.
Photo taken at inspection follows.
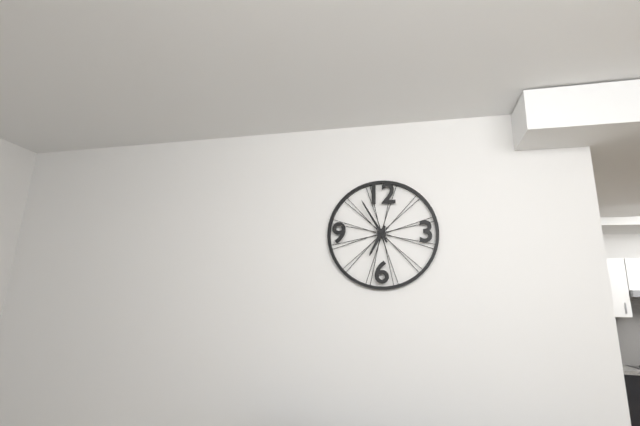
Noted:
**6:55**
